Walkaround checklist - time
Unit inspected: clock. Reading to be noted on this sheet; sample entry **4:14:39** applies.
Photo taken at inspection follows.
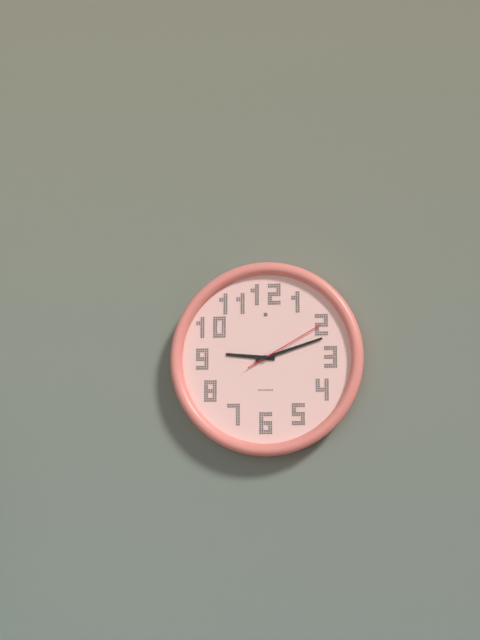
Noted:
**9:12:10**
